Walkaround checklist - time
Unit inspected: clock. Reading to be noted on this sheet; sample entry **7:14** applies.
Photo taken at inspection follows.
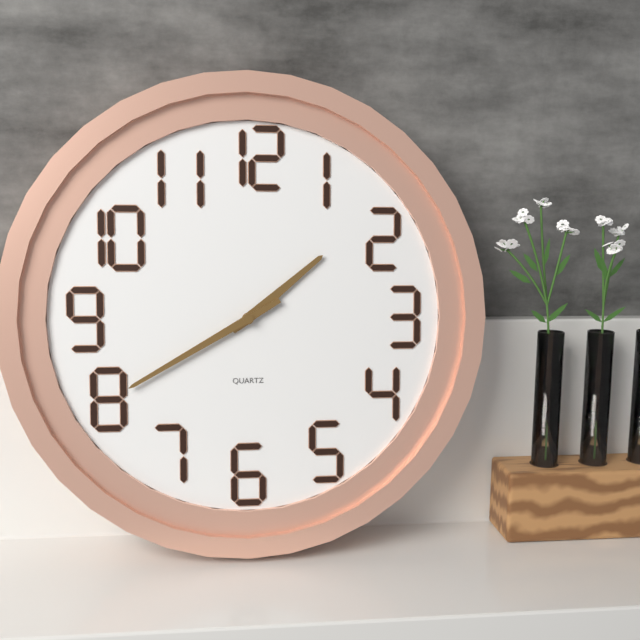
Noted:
**1:40**
